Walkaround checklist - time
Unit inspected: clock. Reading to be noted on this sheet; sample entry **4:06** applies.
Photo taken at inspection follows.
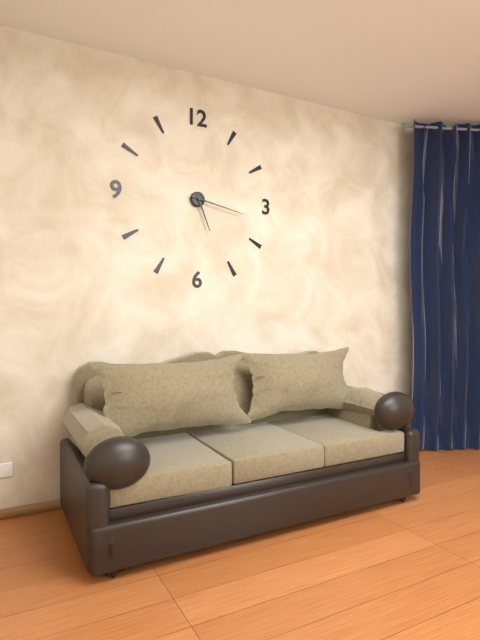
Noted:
**5:17**
